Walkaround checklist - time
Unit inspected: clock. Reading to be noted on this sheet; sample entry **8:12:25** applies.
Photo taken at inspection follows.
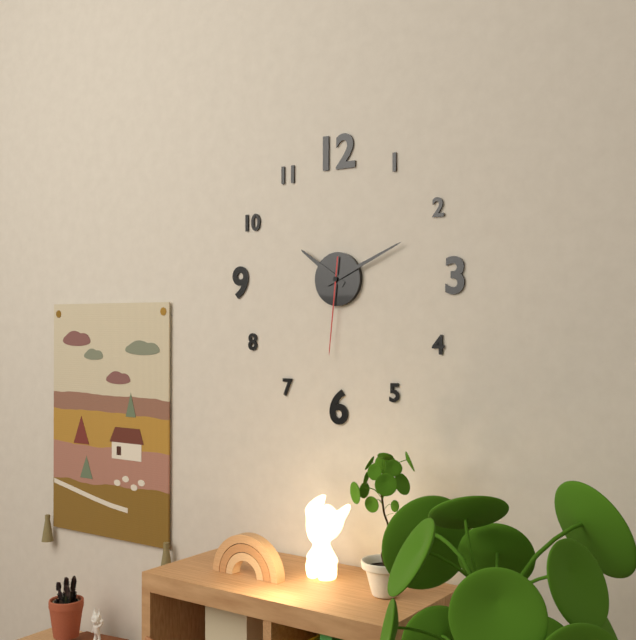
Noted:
**10:11:31**
